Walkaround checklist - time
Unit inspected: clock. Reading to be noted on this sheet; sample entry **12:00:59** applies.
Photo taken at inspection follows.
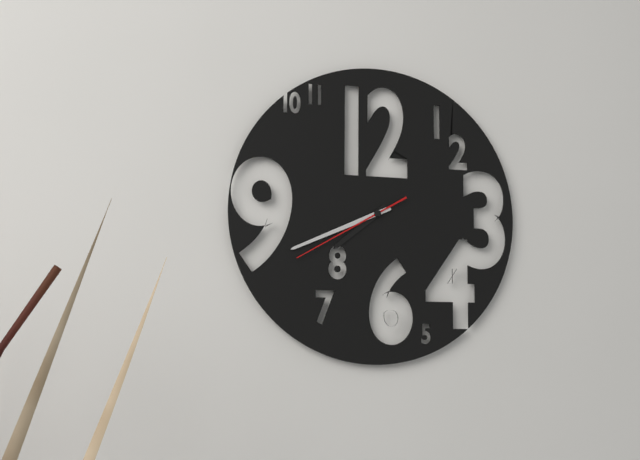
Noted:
**7:41:40**
